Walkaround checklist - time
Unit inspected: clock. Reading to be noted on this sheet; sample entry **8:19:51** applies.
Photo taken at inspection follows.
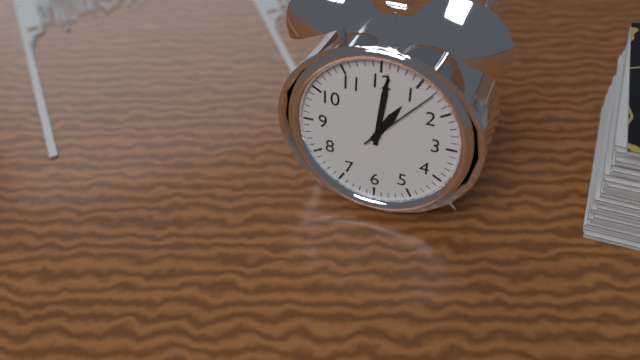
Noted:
**1:01:07**
